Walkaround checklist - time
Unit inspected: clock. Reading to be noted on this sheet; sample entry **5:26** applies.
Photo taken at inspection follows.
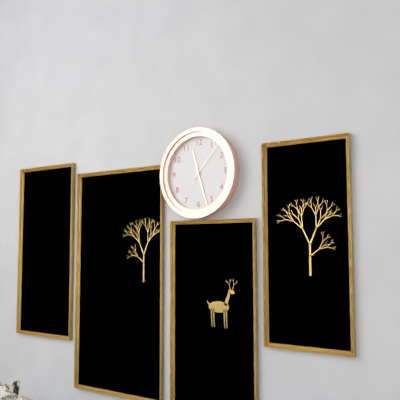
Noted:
**11:27**
